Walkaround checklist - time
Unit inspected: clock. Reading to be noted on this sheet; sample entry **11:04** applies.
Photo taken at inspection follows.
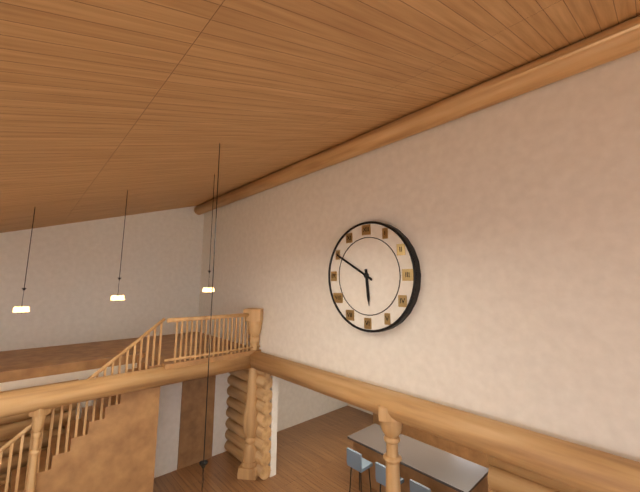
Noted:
**5:50**
